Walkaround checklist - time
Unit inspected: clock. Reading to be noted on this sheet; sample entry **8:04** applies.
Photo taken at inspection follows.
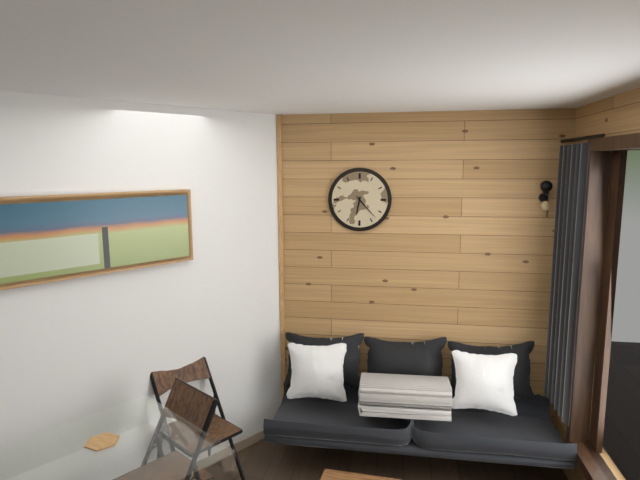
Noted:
**6:23**
